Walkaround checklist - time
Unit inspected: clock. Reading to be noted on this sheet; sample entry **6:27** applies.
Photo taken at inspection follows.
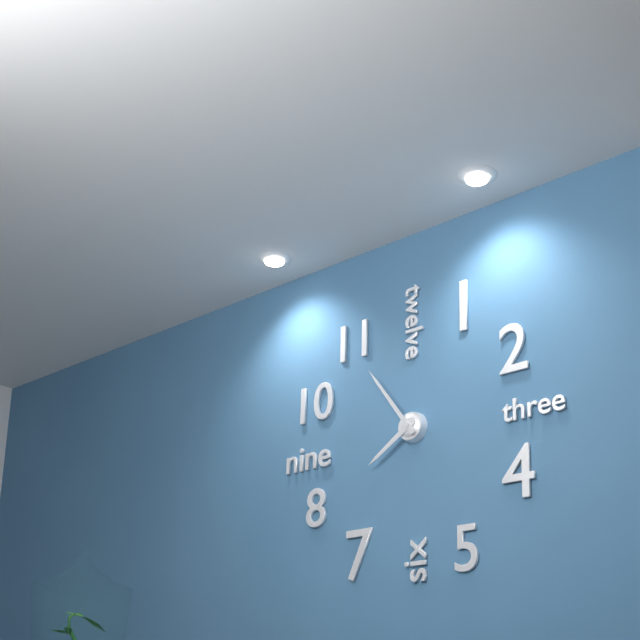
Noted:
**7:54**
